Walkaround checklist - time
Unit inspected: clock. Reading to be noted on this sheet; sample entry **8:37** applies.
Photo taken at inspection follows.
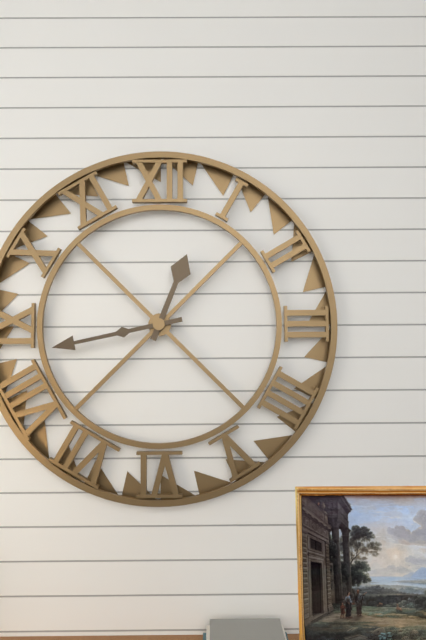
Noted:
**12:43**
